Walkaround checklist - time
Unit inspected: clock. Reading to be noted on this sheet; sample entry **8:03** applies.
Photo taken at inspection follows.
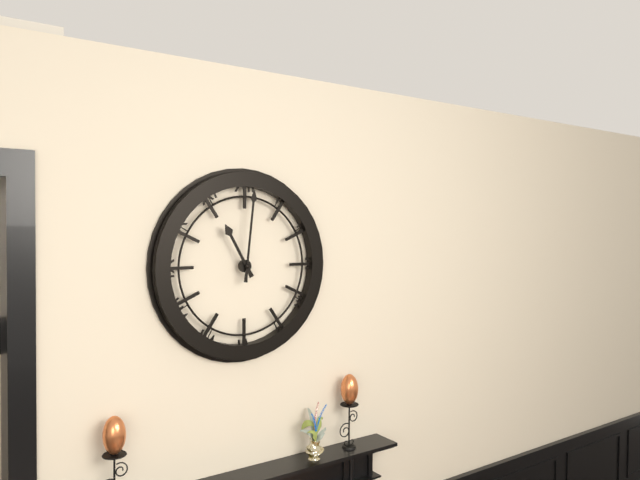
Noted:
**11:01**
